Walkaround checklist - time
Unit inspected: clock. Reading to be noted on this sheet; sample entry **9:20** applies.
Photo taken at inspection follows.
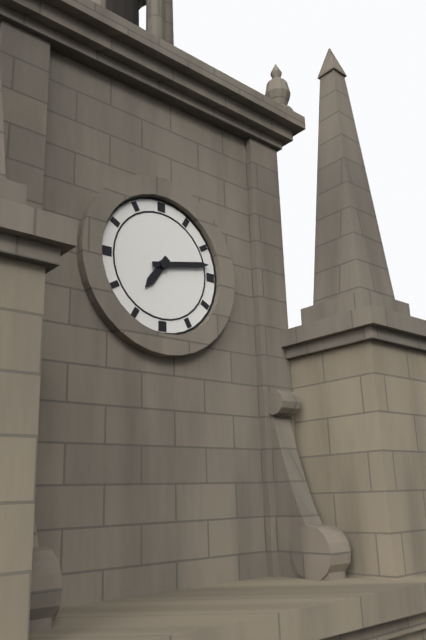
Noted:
**7:13**
